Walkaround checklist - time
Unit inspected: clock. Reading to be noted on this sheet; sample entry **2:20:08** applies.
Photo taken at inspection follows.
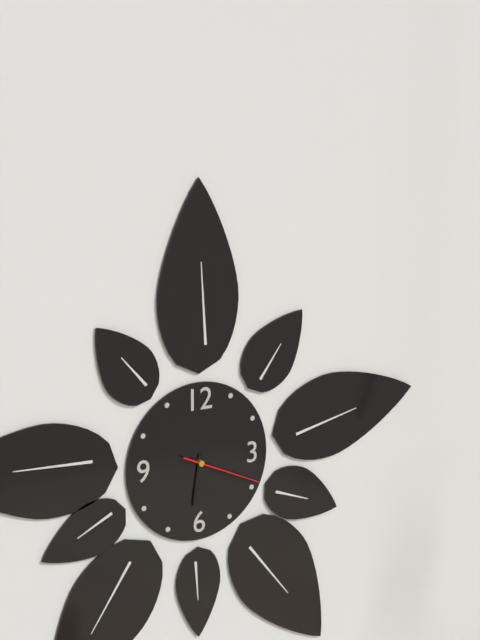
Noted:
**6:19:19**
